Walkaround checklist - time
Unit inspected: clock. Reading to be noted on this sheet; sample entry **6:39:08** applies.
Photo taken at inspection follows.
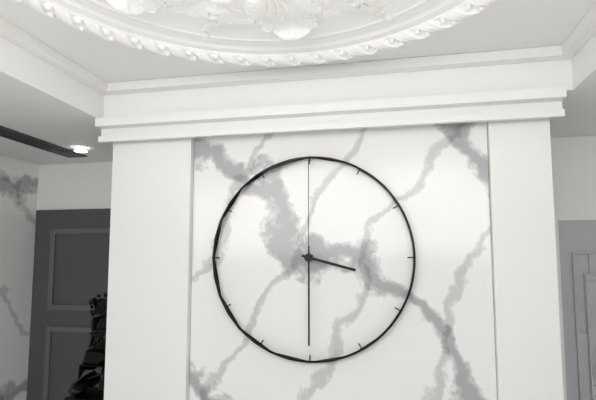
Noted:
**3:30:00**
